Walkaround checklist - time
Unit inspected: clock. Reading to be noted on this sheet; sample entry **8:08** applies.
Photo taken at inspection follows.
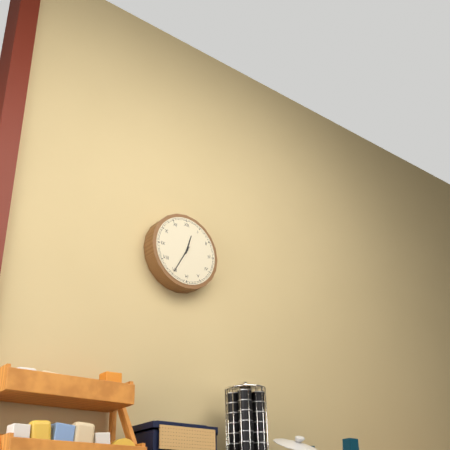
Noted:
**12:35**
